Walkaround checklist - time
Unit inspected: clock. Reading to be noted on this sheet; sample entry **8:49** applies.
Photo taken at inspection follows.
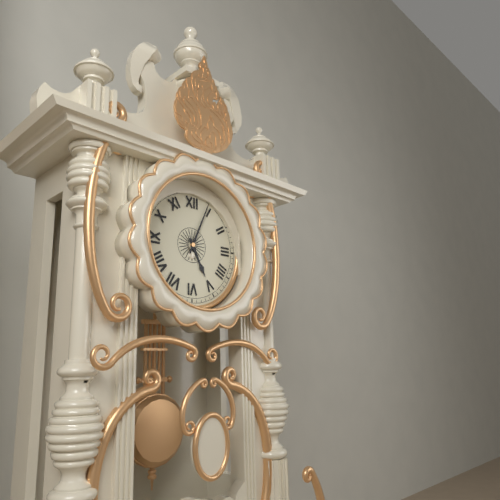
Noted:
**5:04**
